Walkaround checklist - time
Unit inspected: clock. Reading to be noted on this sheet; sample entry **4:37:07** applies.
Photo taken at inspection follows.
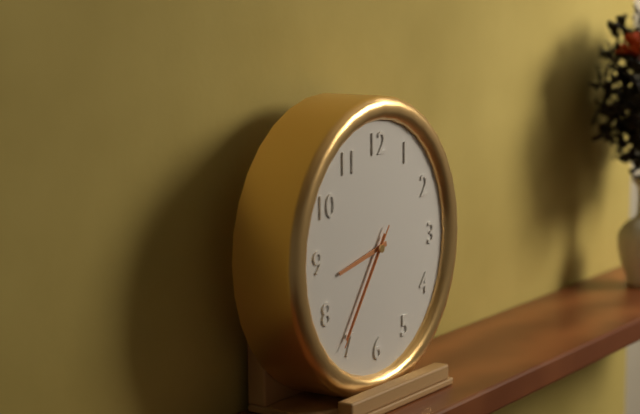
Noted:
**8:36:36**
